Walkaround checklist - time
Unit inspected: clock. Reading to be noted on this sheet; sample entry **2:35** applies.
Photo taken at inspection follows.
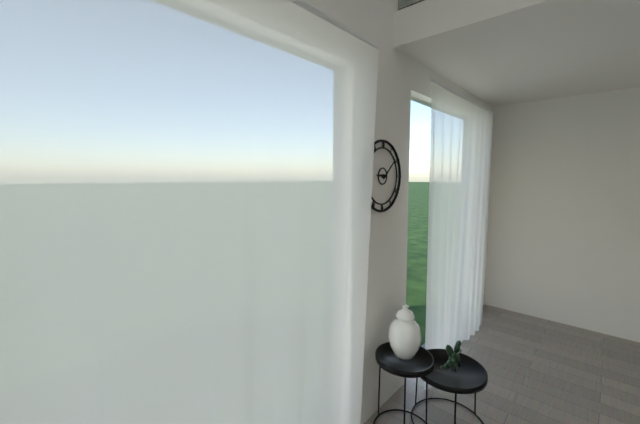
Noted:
**9:08**
